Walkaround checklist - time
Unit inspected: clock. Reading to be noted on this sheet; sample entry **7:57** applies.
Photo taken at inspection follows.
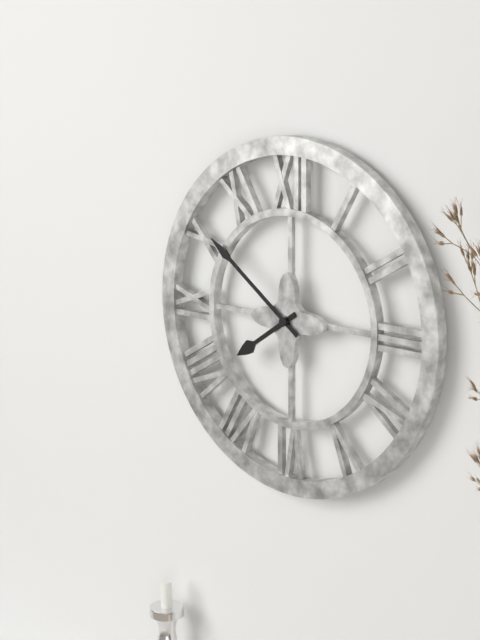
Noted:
**7:51**
